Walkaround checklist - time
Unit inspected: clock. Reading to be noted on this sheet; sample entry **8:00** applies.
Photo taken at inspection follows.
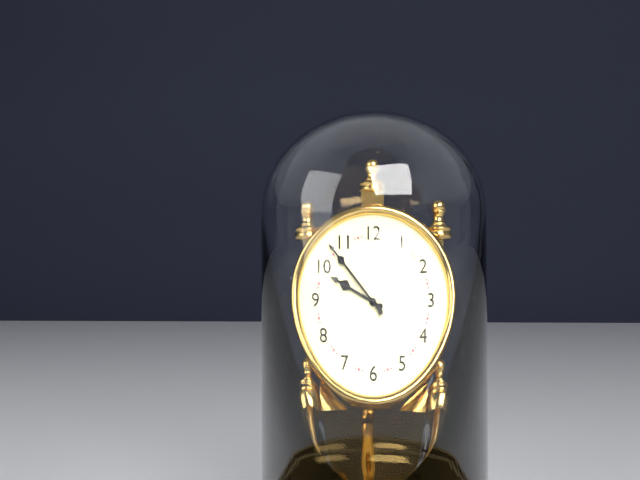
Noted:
**9:53**
